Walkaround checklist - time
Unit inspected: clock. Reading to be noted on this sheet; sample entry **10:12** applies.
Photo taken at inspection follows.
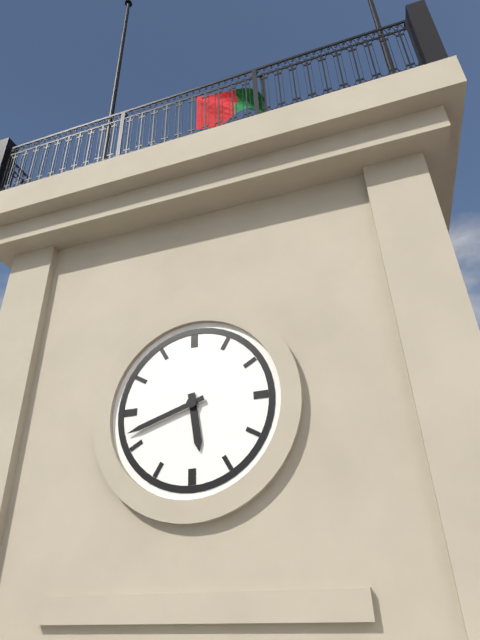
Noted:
**5:42**
